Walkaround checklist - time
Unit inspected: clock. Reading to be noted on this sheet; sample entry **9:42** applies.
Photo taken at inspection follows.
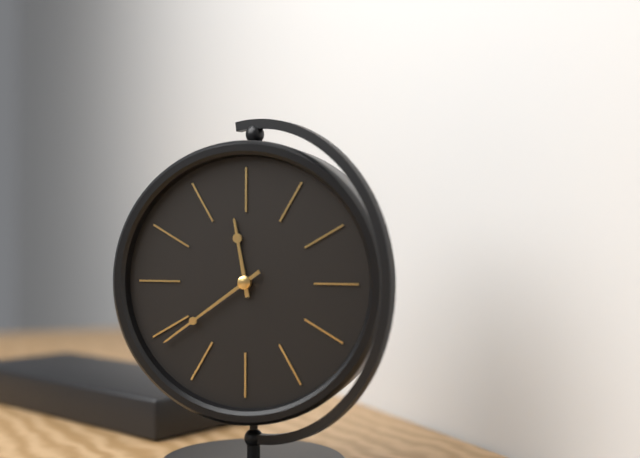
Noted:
**11:39**
